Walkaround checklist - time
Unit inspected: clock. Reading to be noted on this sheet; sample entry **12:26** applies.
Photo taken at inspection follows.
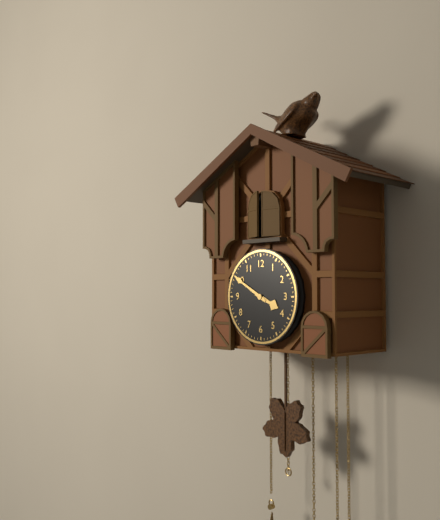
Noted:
**3:50**
